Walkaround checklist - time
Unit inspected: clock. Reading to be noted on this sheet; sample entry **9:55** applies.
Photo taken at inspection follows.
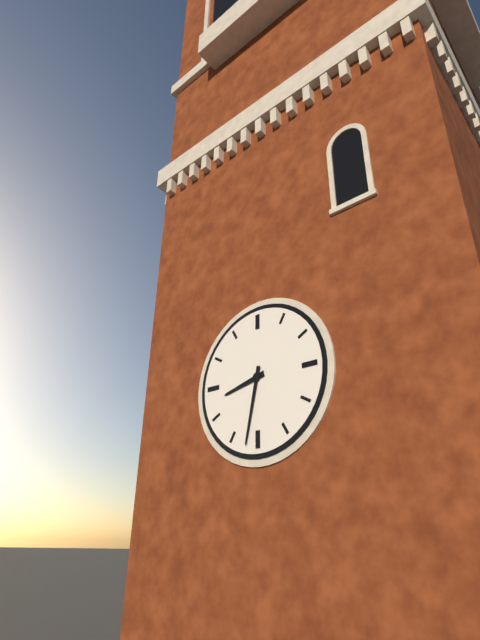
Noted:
**8:32**
